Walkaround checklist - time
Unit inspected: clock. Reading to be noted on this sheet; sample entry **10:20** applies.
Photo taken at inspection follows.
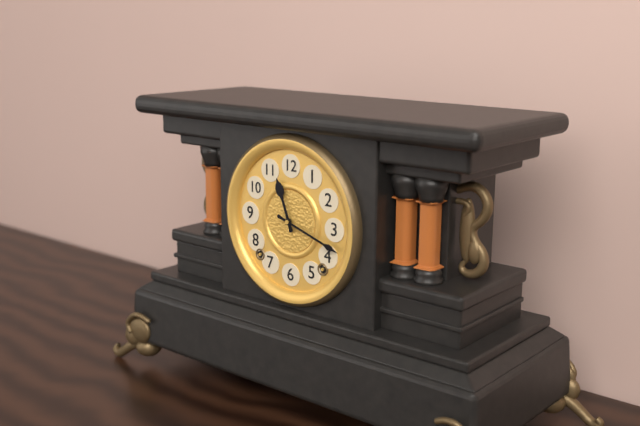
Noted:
**11:18**
